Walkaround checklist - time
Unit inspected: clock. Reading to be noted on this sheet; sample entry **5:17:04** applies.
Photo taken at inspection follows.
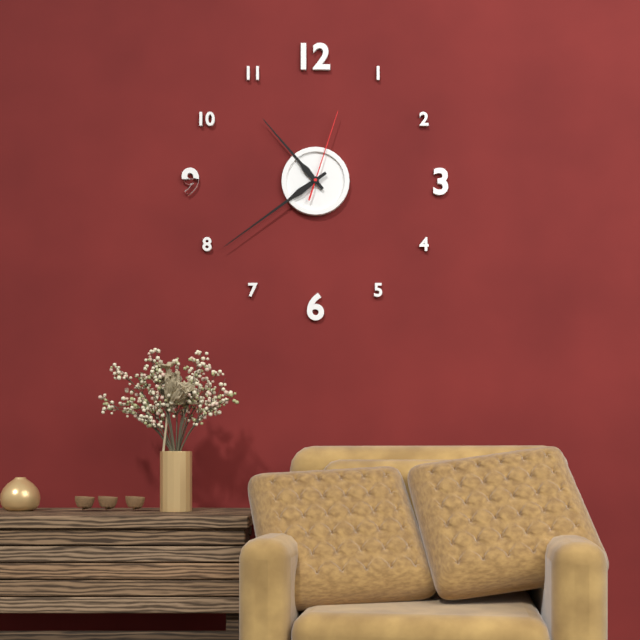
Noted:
**10:39:03**
